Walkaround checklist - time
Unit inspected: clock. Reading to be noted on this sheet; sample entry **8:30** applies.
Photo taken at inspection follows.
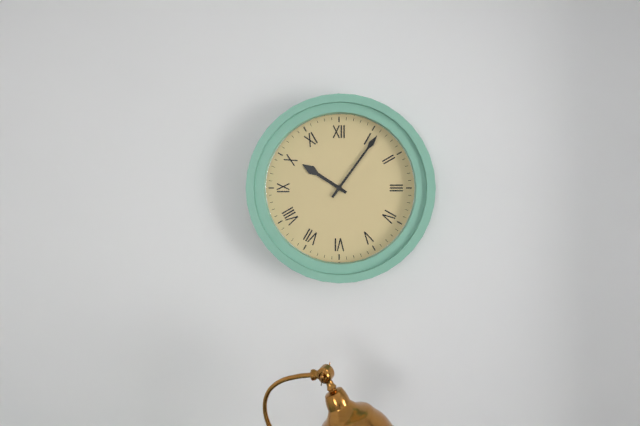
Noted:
**10:06**
